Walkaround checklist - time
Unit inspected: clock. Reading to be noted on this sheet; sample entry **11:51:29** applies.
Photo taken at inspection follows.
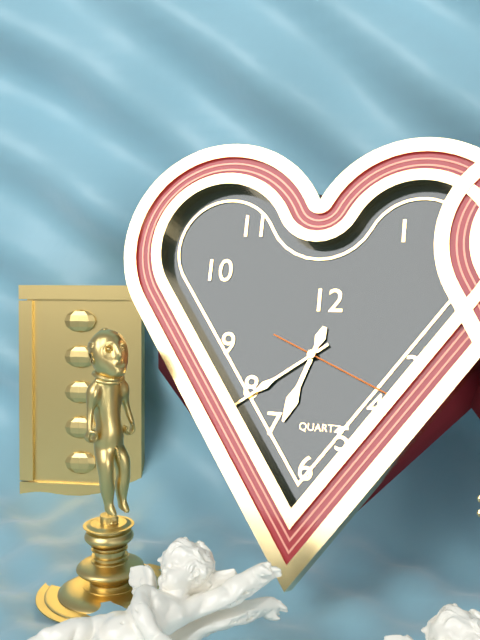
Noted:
**6:39:19**
